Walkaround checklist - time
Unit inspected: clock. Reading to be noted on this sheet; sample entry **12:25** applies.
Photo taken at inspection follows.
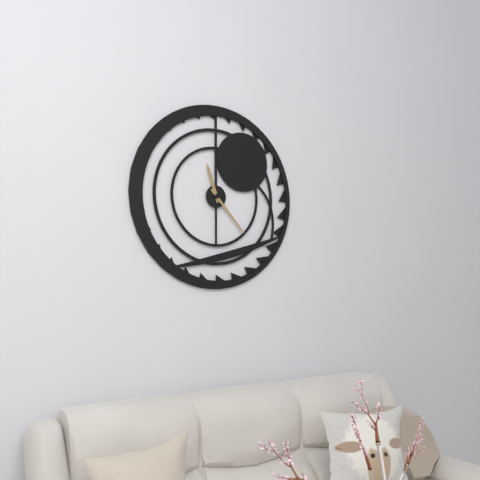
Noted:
**11:23**
